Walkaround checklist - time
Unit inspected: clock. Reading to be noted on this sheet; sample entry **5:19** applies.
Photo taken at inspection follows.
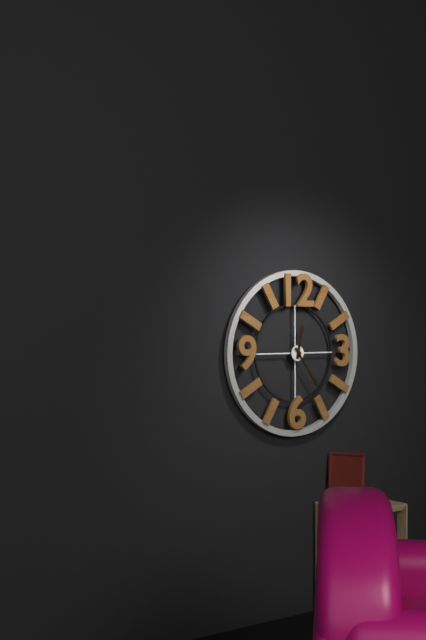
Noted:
**12:24**
